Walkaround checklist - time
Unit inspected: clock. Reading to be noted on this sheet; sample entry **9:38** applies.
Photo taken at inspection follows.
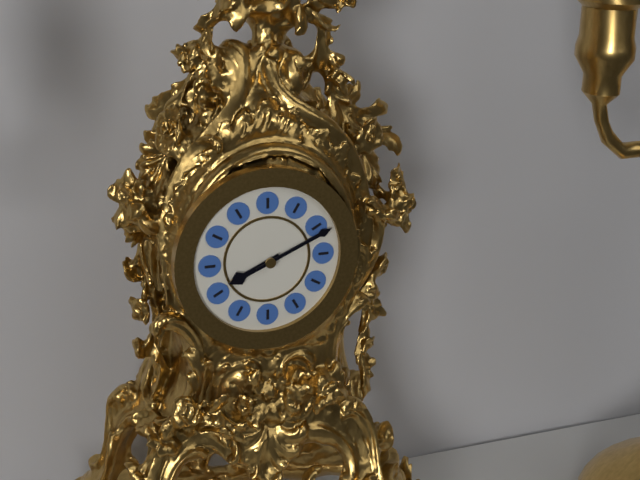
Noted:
**8:11**
